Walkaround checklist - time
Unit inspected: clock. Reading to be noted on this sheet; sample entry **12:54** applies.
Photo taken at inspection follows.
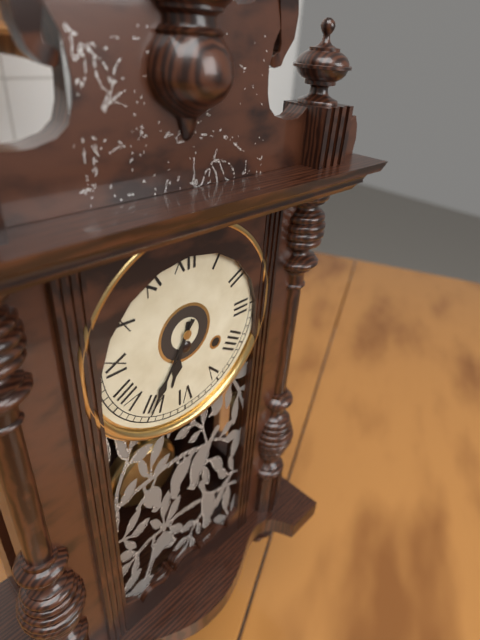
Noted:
**6:35**
